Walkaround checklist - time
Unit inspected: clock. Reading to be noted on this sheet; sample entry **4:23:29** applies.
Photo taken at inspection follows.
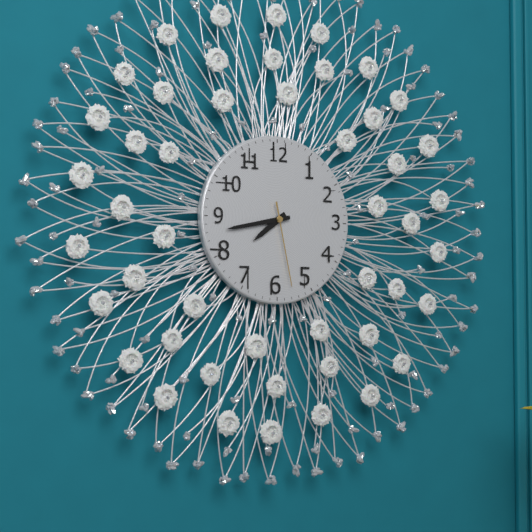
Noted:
**7:43:28**
